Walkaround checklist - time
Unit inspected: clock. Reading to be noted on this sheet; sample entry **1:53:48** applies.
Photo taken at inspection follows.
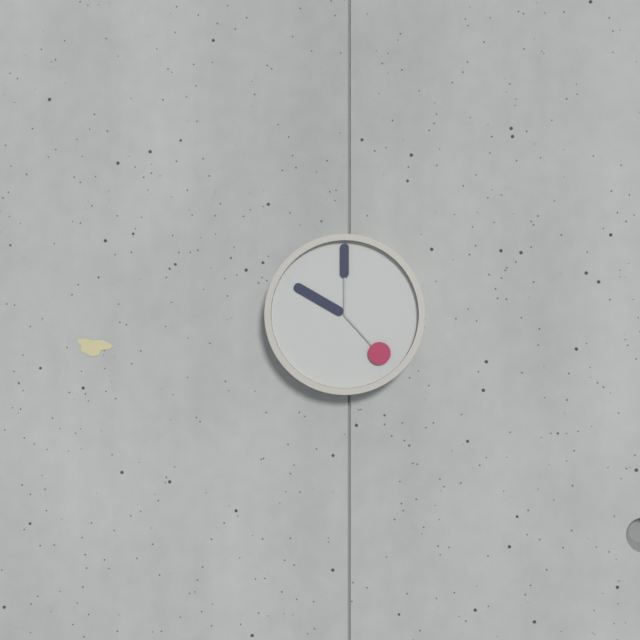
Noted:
**10:00:23**
